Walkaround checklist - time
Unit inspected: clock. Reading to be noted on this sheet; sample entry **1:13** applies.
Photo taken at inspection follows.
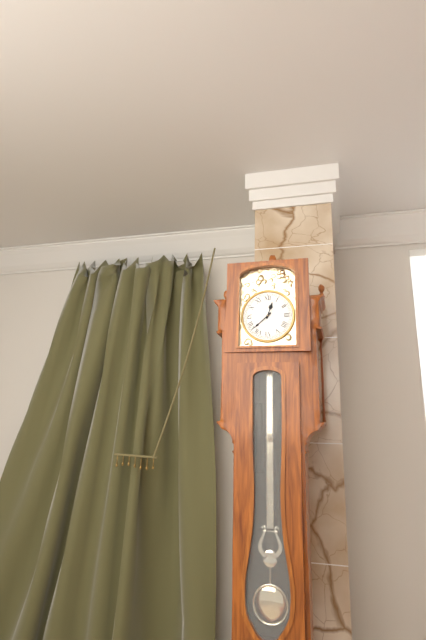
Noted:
**12:38**
